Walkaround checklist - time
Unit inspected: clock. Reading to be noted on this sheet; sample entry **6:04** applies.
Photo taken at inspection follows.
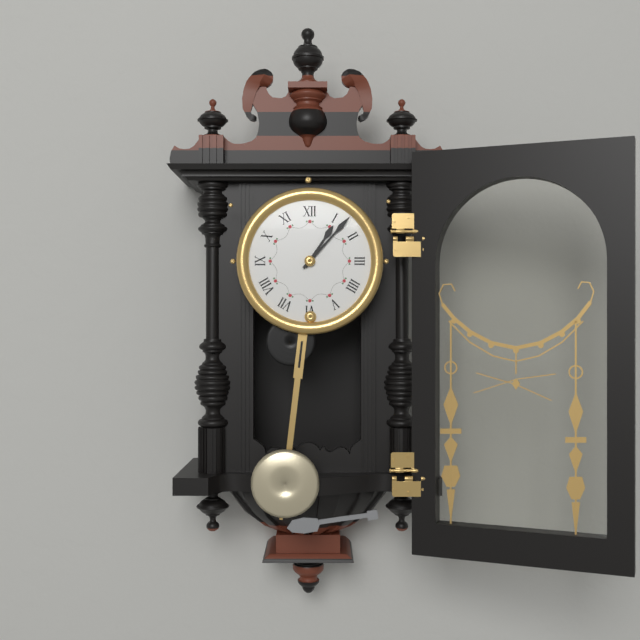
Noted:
**1:07**
